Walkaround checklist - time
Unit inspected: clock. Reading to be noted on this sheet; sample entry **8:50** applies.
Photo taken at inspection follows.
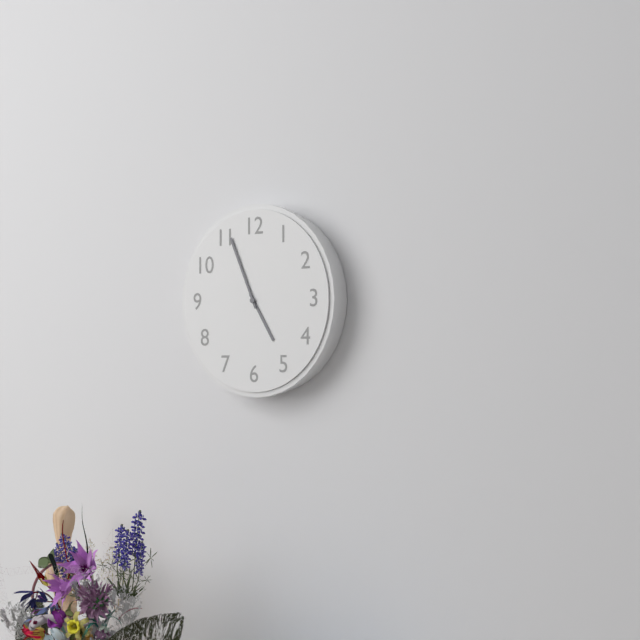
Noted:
**4:56**
